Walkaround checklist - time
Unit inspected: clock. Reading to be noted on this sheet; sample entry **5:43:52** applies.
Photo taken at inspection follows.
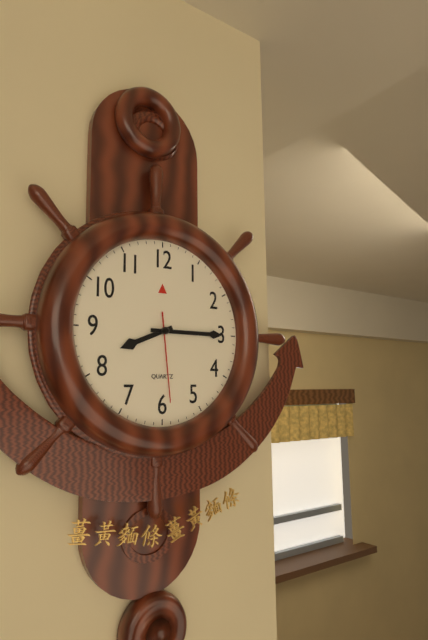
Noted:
**8:15:29**
